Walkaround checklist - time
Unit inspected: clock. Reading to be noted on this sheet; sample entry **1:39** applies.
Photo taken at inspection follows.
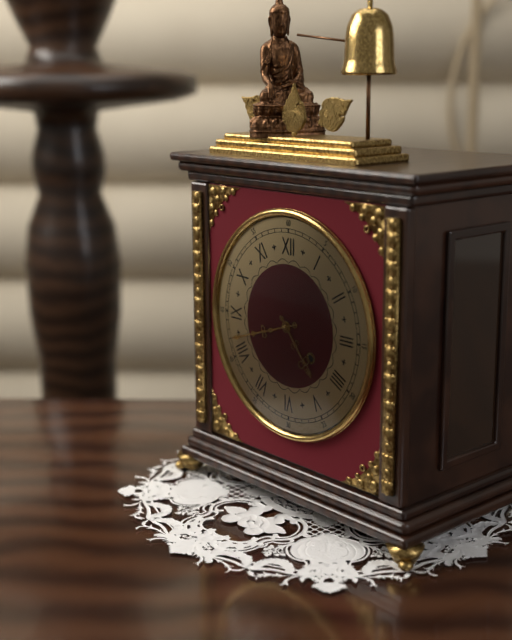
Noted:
**4:42**
